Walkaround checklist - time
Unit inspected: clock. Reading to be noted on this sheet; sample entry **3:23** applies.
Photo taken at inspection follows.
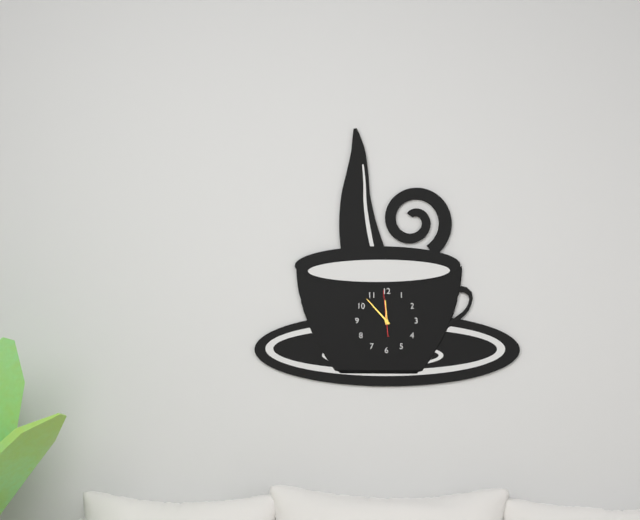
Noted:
**11:53**
